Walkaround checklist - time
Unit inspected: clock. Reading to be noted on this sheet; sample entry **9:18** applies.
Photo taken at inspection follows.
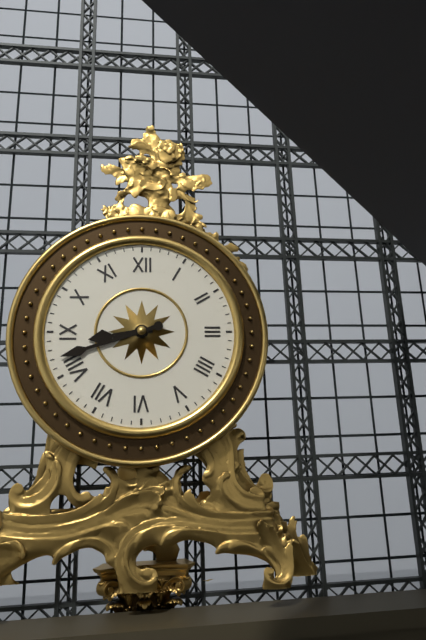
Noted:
**8:42**
